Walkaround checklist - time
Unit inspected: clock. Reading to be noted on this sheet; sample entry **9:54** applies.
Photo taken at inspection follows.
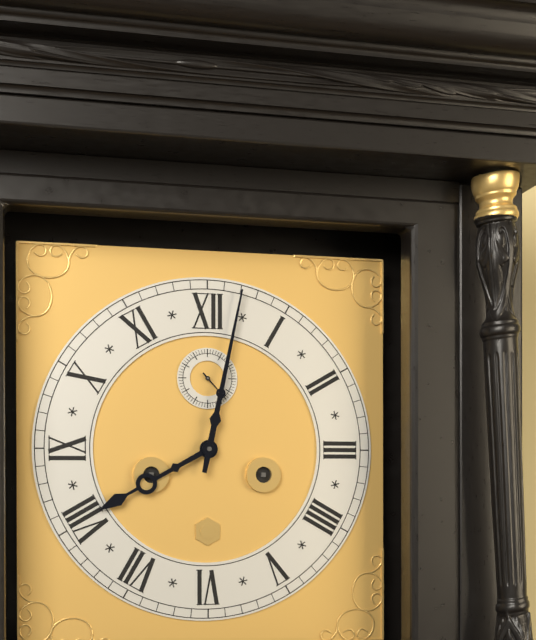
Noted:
**8:02**
